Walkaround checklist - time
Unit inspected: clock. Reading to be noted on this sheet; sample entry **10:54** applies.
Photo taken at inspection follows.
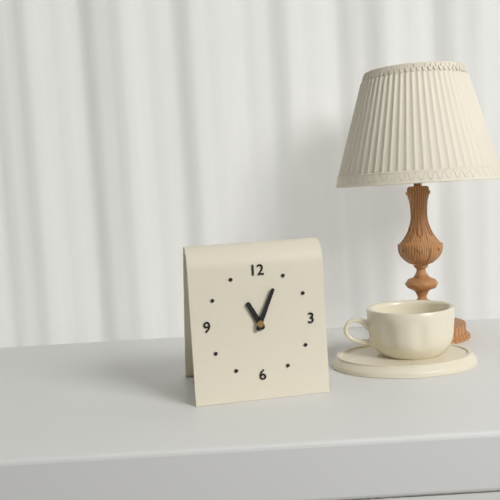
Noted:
**11:04**
